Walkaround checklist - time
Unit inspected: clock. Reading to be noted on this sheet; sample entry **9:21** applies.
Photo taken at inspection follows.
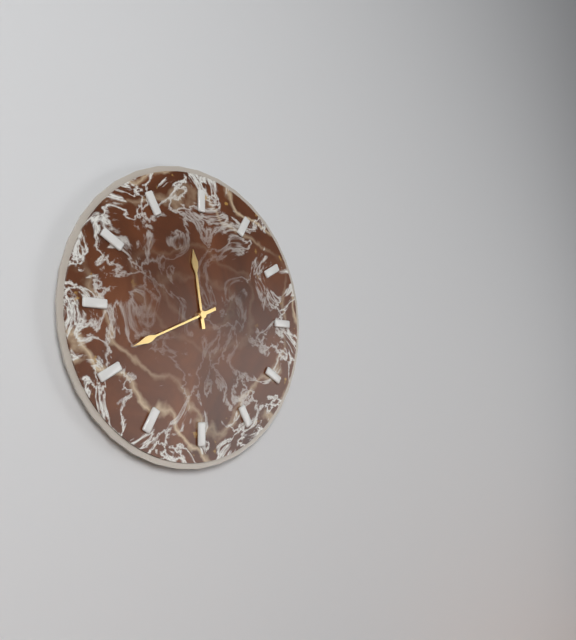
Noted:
**11:41**
